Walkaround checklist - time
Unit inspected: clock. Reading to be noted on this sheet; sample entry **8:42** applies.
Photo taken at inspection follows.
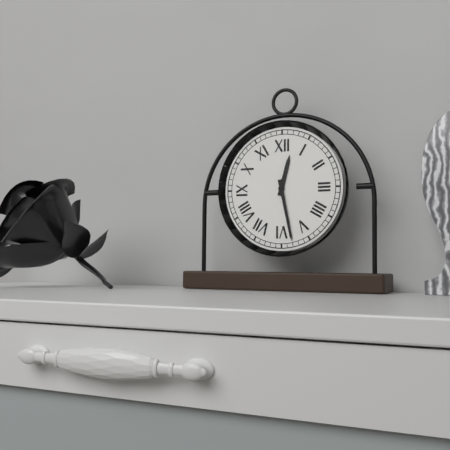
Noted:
**12:28**
